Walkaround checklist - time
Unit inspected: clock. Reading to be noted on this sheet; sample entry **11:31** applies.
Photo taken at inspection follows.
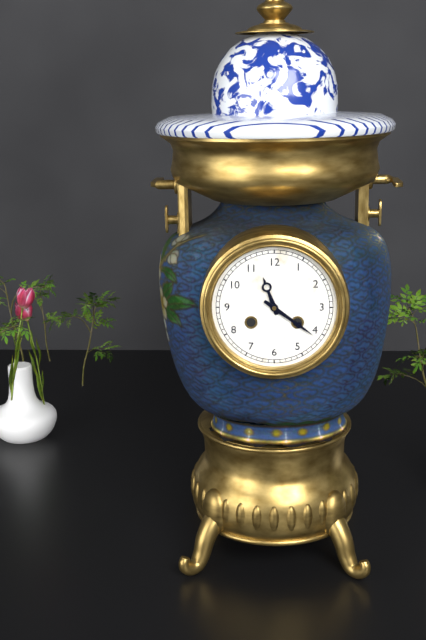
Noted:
**11:21**
